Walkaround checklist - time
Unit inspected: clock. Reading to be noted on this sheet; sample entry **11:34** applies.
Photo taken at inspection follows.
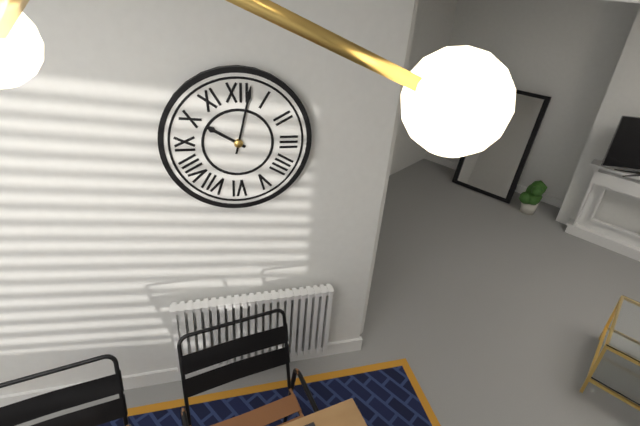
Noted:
**10:02**
